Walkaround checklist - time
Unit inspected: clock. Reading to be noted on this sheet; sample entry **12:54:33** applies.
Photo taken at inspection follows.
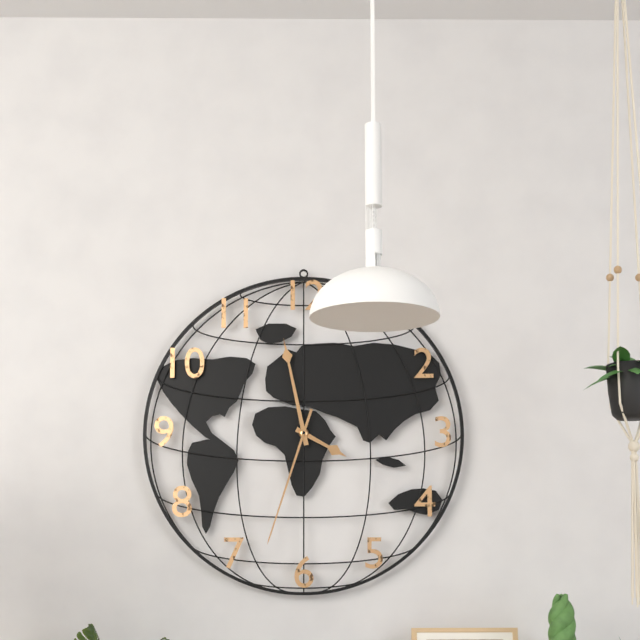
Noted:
**3:58:33**
